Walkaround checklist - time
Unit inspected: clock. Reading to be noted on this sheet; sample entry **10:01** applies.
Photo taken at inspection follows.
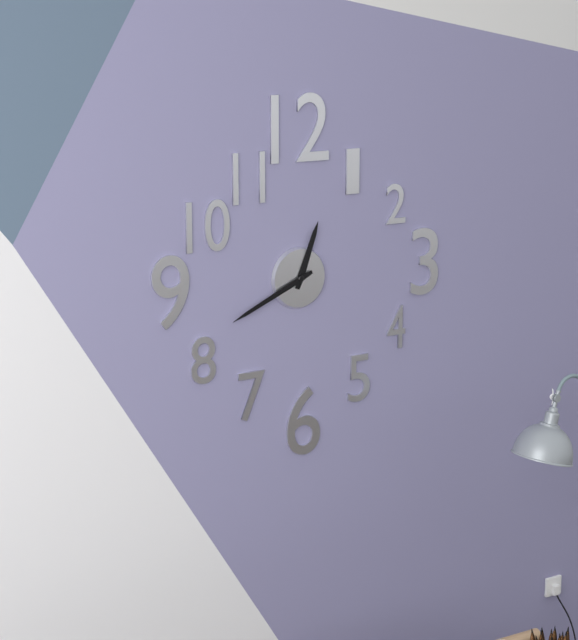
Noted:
**12:41**
